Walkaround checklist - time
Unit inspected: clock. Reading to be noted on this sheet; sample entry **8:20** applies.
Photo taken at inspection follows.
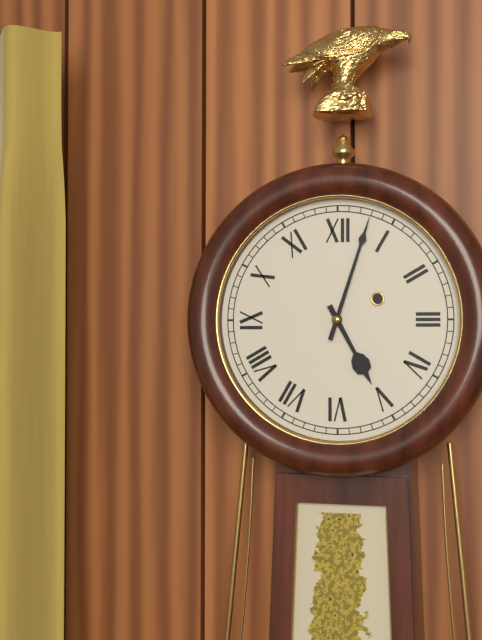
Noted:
**5:03**
